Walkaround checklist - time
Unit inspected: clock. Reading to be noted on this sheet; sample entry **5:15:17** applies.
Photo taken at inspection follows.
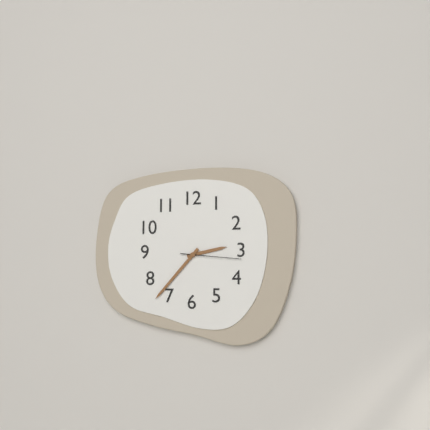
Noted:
**2:37:16**
